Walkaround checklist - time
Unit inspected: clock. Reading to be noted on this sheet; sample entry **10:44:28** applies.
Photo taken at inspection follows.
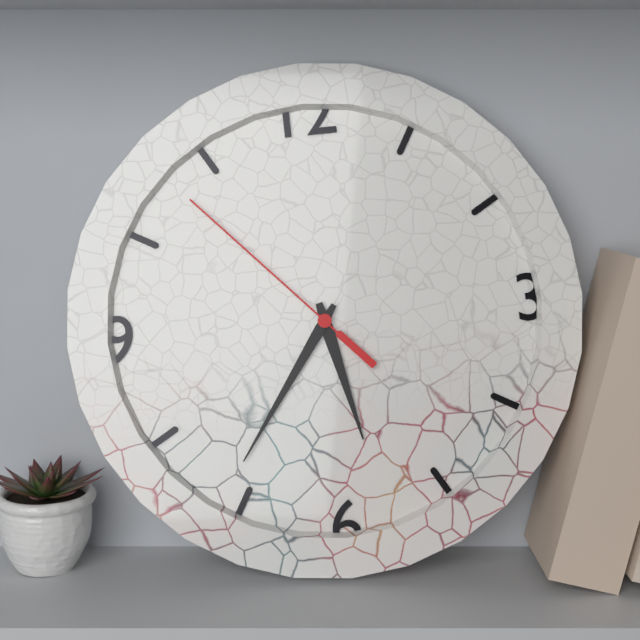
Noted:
**5:36:53**
